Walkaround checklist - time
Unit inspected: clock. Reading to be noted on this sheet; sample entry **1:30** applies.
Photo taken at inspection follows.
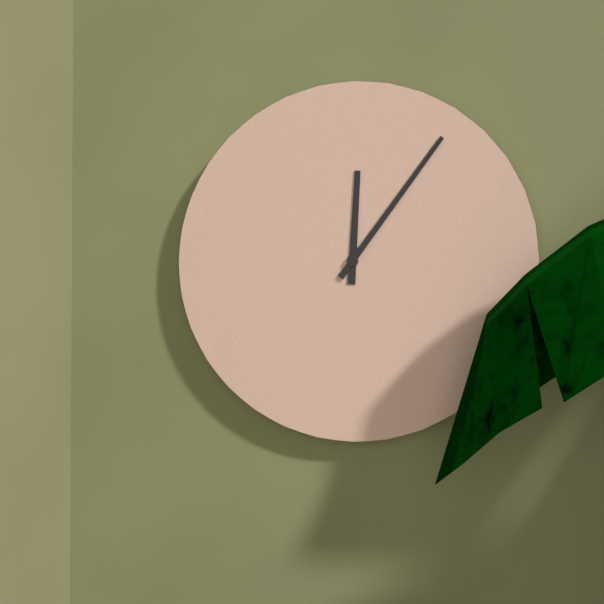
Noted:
**12:06**
